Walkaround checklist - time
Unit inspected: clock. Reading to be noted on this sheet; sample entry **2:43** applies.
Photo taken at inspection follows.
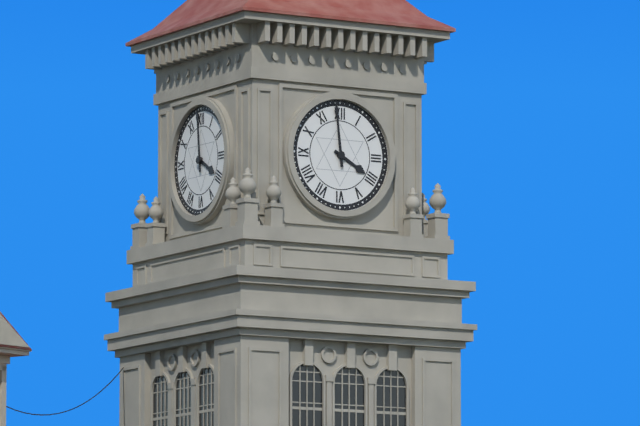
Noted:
**3:59**
